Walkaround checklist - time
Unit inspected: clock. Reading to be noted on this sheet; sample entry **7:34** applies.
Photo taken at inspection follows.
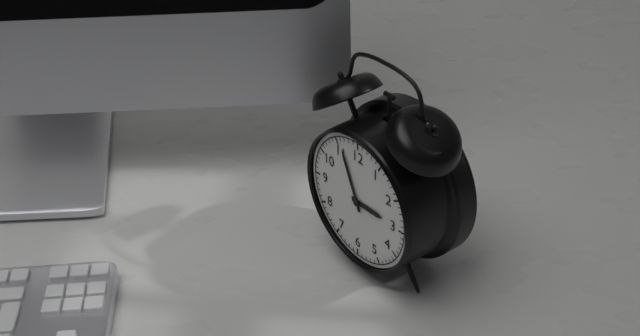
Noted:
**2:56**
